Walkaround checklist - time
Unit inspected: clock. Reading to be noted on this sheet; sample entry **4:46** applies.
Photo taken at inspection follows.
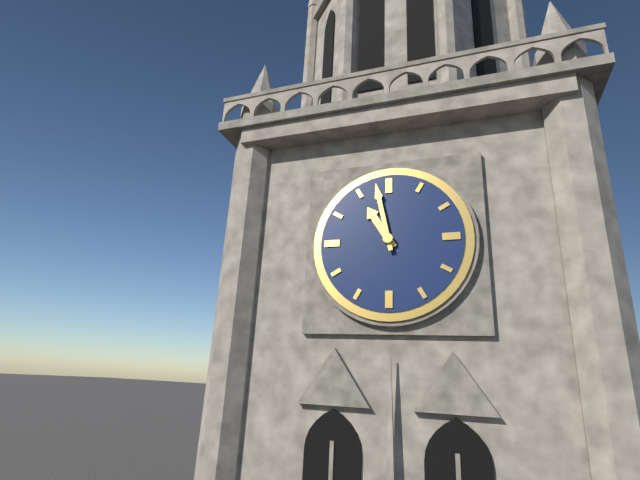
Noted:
**10:58**
